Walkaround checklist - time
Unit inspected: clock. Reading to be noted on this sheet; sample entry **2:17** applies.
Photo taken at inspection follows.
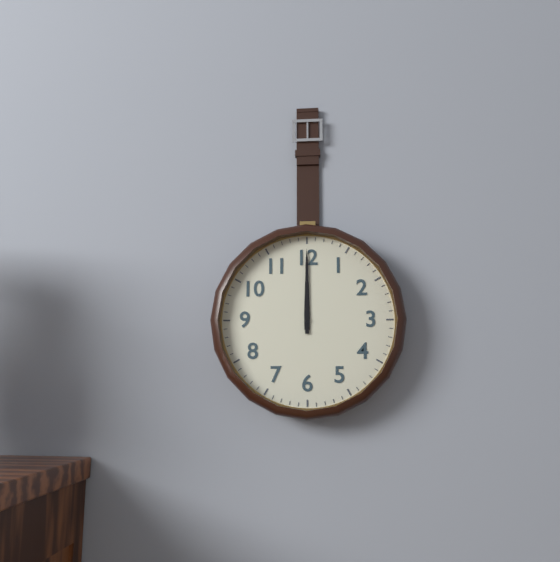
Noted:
**12:00**
